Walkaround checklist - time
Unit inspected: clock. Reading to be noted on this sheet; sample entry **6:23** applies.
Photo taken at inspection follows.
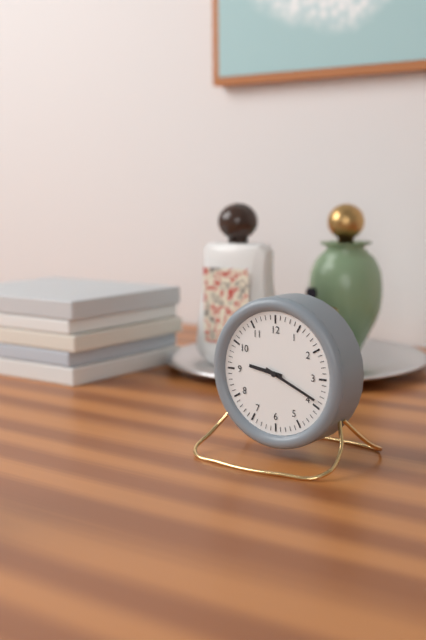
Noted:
**9:19**
